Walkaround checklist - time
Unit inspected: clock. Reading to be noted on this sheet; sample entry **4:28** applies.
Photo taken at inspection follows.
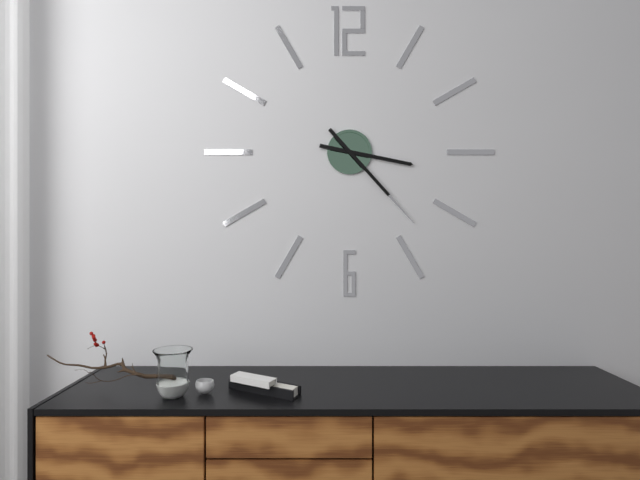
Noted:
**3:23**
